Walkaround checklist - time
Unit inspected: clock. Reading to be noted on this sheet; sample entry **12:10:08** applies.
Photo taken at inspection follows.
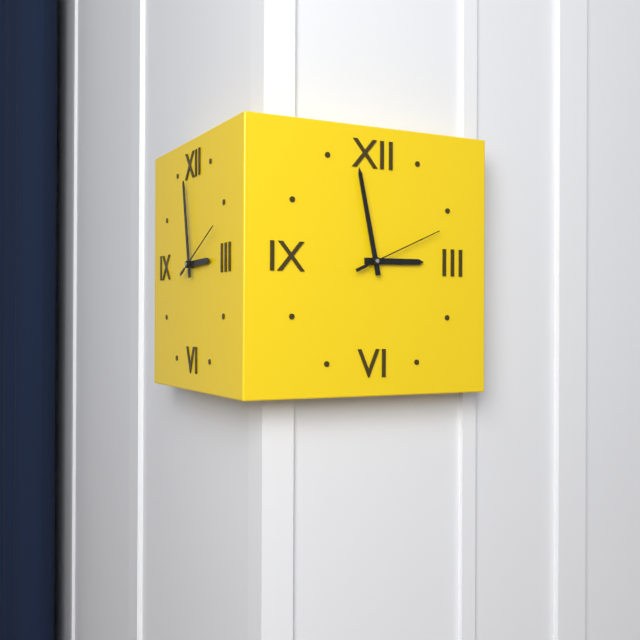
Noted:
**2:58:11**
